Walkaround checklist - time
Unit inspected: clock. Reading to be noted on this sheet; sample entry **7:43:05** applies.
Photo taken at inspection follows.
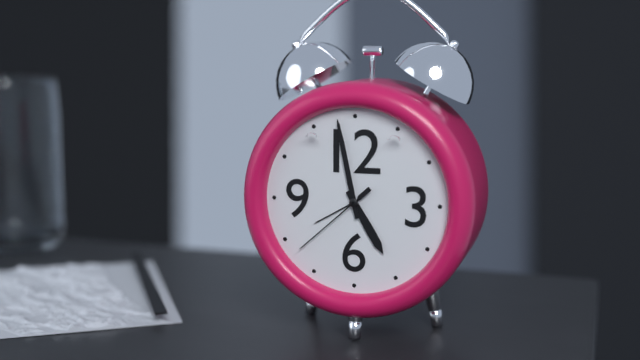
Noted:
**4:58:38**
